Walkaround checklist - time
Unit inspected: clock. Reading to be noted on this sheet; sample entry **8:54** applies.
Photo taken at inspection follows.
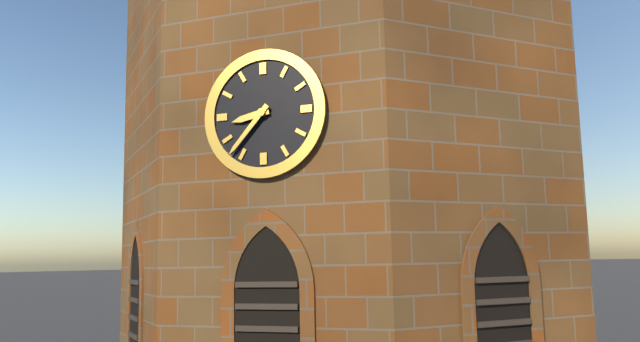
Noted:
**8:37**
